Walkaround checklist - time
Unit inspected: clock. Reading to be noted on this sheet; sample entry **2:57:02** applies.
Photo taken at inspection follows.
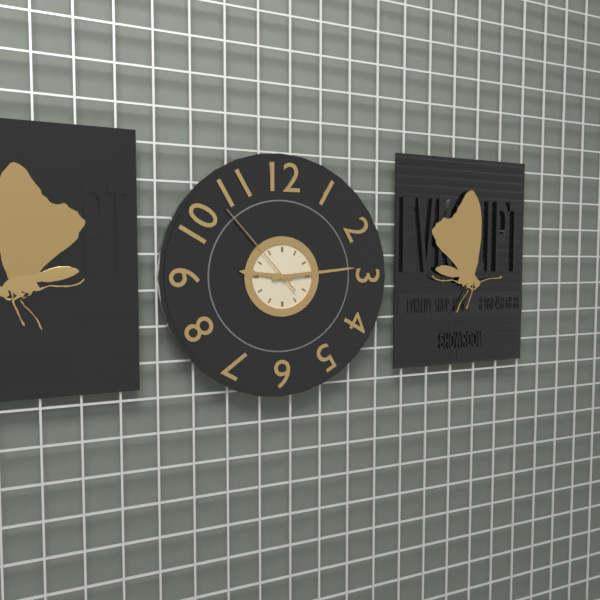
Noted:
**9:14:53**
